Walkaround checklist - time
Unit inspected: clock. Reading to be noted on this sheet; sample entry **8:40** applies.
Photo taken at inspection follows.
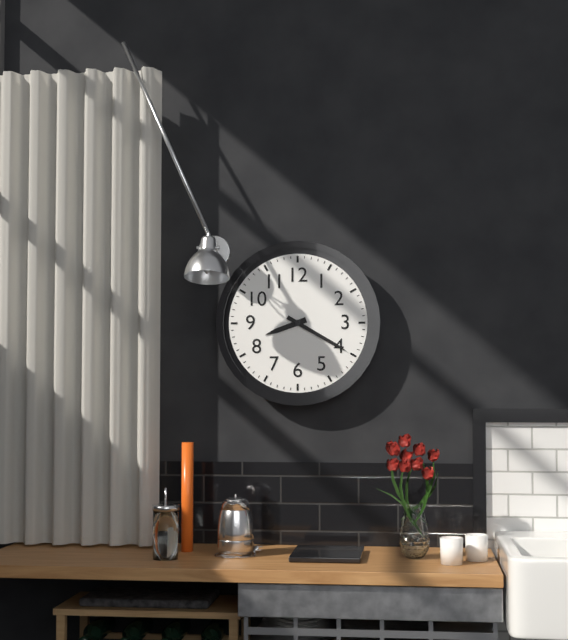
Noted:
**8:20**
